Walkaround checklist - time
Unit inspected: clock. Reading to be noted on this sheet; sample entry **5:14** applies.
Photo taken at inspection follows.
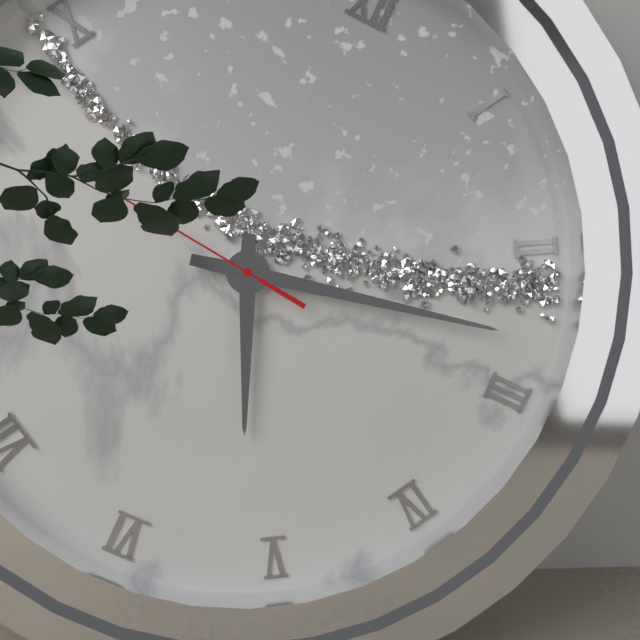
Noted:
**5:13**
